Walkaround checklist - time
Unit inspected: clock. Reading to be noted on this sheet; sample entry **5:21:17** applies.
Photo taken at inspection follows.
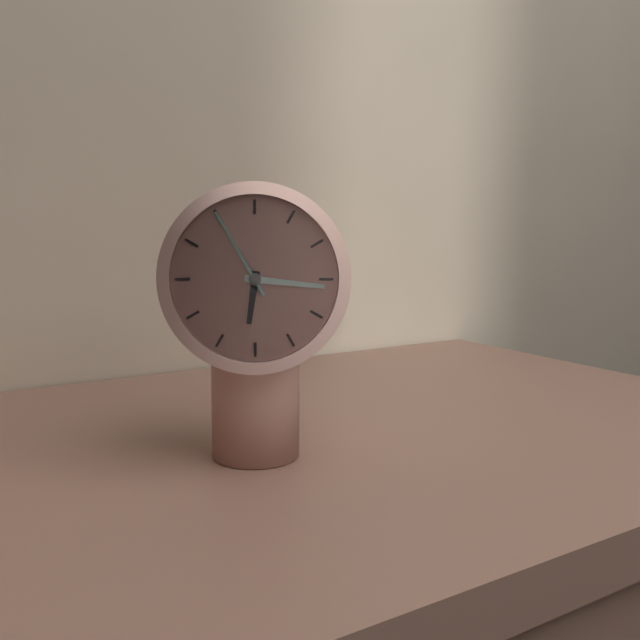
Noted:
**6:16:55**
